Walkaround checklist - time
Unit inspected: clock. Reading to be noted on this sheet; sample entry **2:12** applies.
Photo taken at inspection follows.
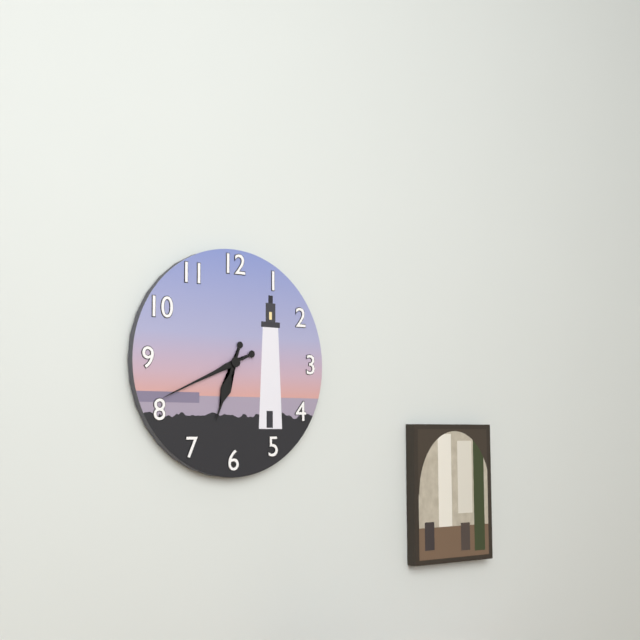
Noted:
**6:41**
